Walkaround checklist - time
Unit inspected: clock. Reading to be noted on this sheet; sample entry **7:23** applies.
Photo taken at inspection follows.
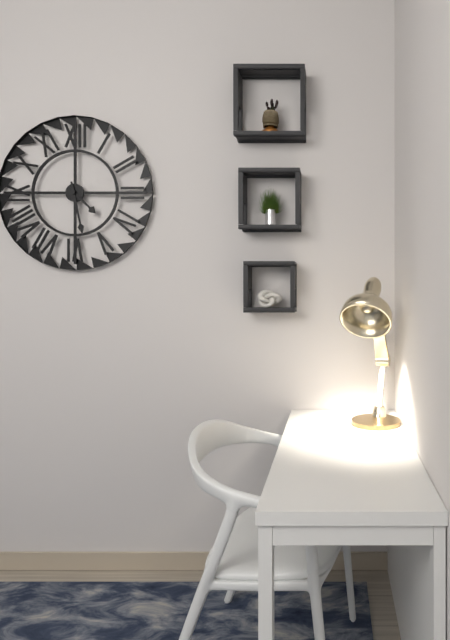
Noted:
**4:28**
